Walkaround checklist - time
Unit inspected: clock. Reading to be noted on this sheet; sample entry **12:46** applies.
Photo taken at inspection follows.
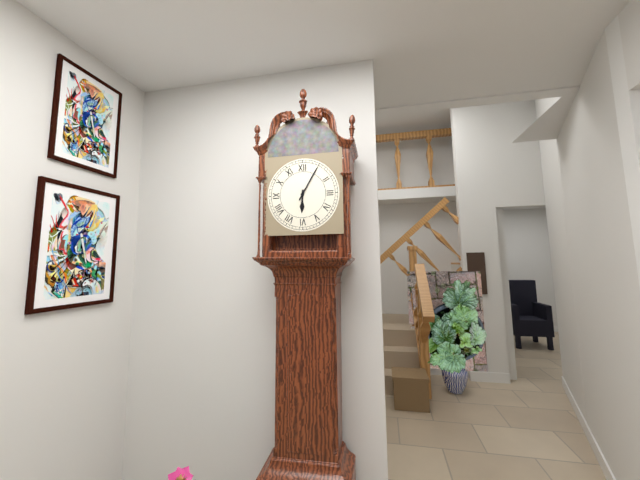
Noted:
**6:05**
